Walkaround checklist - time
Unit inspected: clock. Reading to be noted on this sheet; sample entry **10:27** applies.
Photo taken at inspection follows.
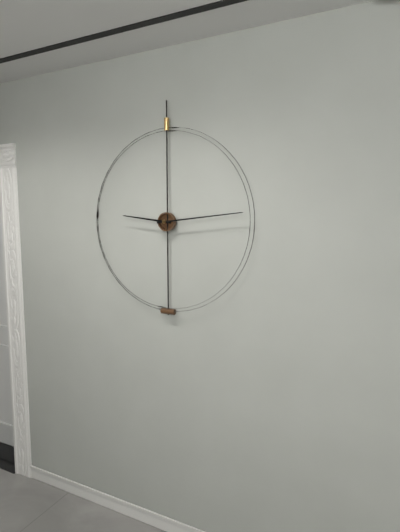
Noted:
**9:14**
